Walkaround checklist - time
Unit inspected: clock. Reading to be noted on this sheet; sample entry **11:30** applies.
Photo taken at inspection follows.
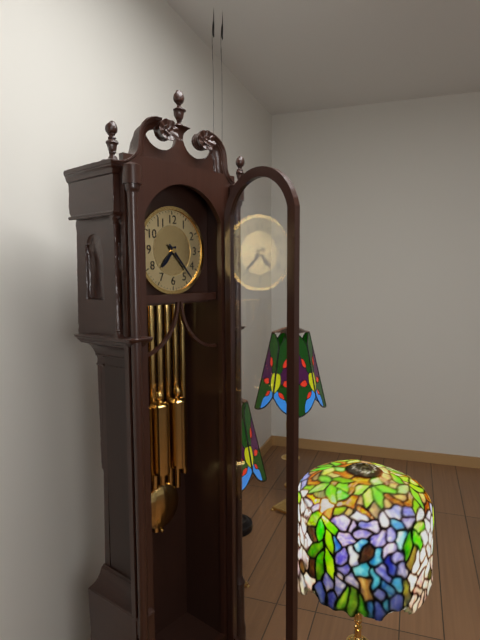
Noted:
**7:23**
